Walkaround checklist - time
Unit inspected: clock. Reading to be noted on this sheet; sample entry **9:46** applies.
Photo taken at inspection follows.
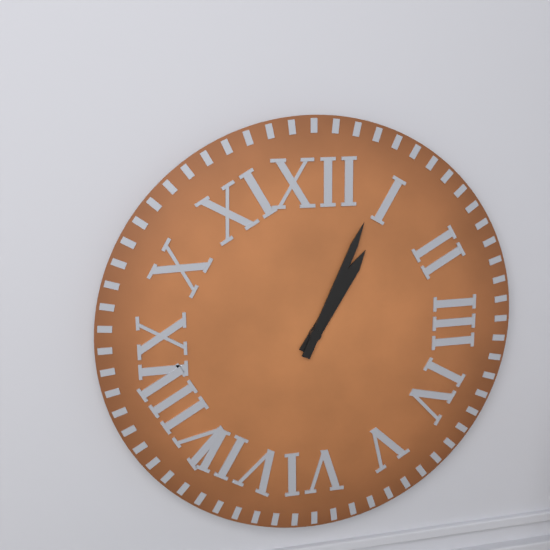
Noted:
**1:04**
